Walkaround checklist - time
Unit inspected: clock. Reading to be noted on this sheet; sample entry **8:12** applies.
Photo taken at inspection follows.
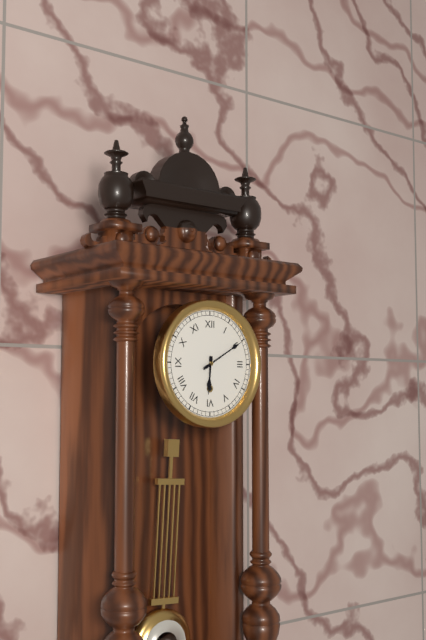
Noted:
**6:10**
